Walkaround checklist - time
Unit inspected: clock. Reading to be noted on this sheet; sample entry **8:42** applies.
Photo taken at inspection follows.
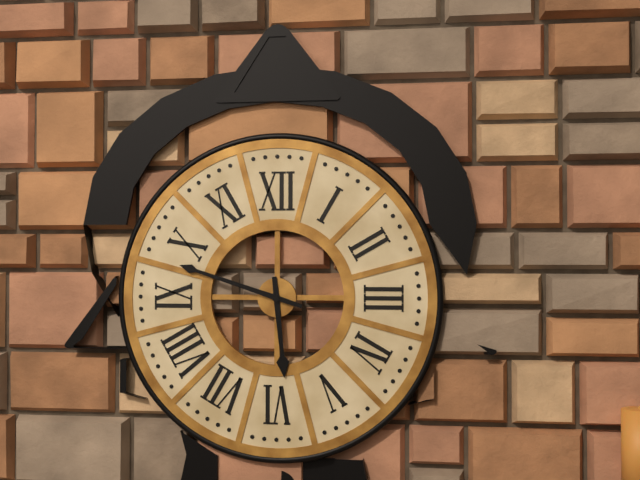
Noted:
**5:48**
